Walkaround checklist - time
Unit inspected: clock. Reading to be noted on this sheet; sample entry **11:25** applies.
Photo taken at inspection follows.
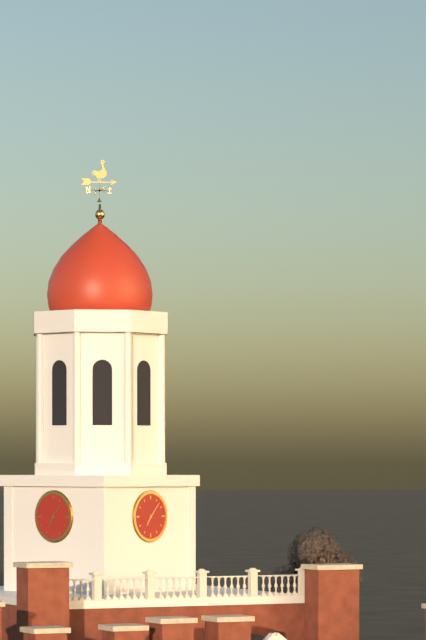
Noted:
**7:07**
